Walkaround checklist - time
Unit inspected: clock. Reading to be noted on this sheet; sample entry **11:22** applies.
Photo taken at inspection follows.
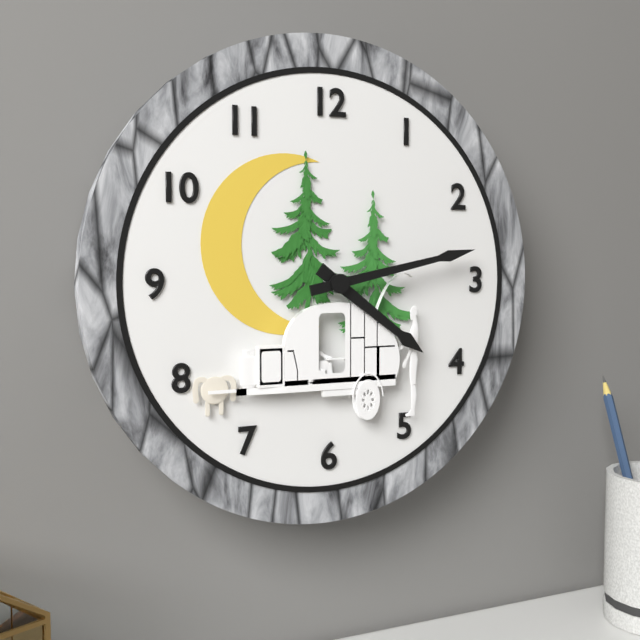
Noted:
**4:13**
